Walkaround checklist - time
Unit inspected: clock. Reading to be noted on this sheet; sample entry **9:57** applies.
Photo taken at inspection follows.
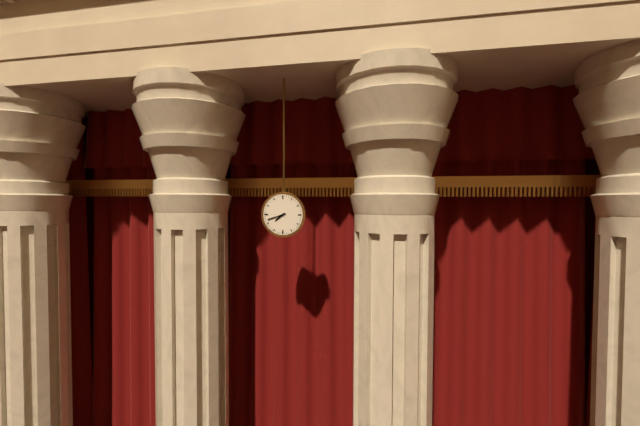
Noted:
**7:42**
